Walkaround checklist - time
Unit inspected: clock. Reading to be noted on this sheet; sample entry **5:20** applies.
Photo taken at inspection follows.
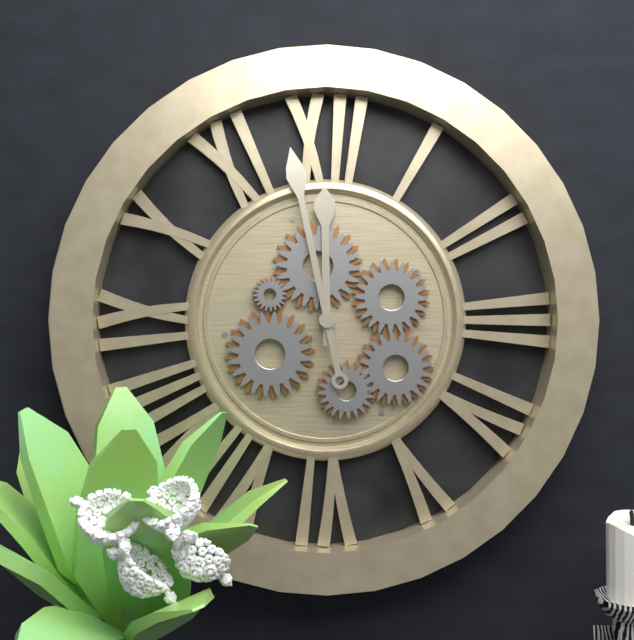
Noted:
**11:58**
